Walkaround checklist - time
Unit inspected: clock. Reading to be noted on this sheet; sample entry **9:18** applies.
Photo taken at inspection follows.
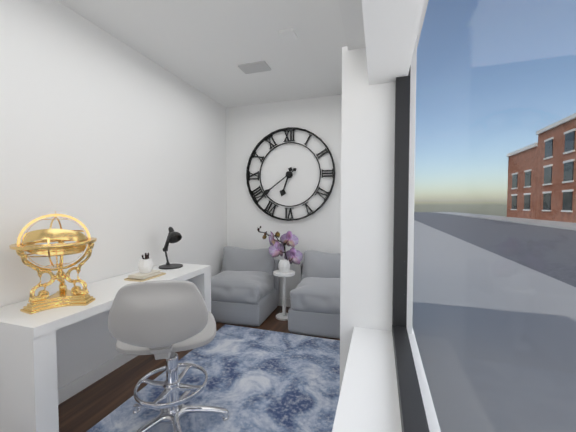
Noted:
**6:39**
